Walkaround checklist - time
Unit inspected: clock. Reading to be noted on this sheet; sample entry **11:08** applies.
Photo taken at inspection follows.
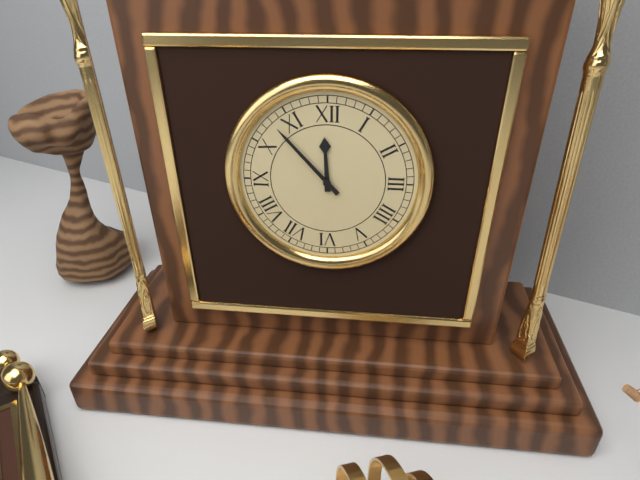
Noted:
**11:53**
